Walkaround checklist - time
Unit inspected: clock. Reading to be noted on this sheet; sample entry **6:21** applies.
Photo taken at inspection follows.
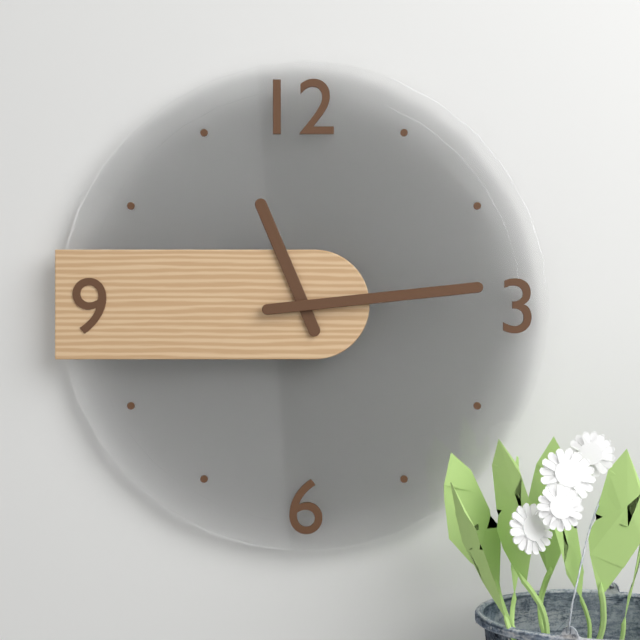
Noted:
**11:14**
